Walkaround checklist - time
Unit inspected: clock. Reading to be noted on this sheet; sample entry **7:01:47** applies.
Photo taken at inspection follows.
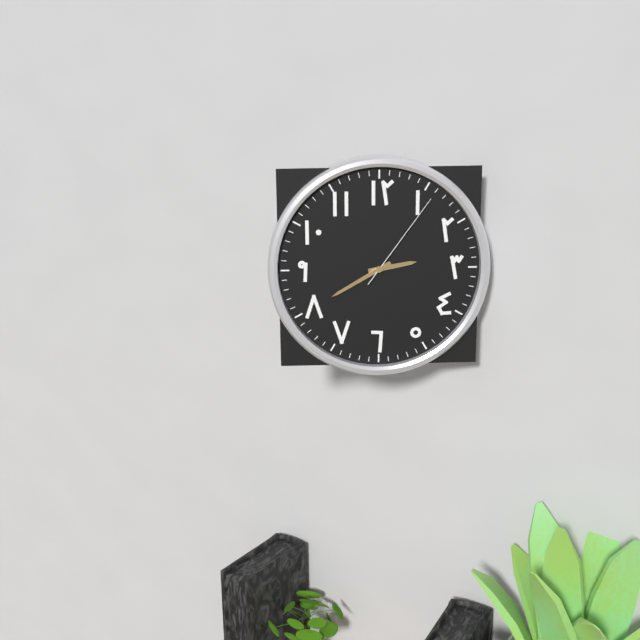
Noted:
**2:40:06**
